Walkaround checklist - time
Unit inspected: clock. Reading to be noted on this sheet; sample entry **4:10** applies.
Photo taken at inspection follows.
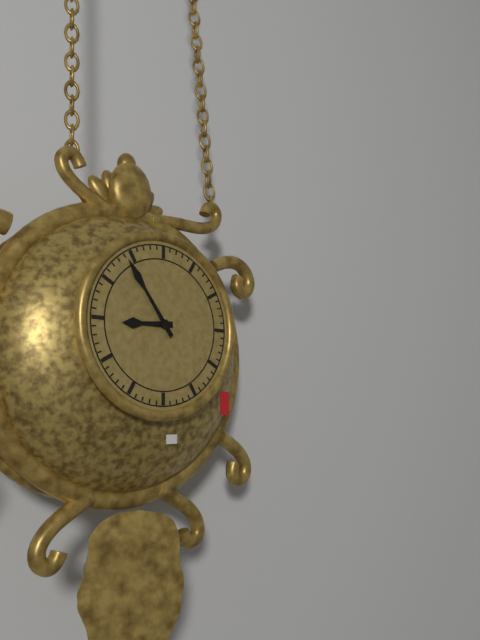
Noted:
**8:54**
